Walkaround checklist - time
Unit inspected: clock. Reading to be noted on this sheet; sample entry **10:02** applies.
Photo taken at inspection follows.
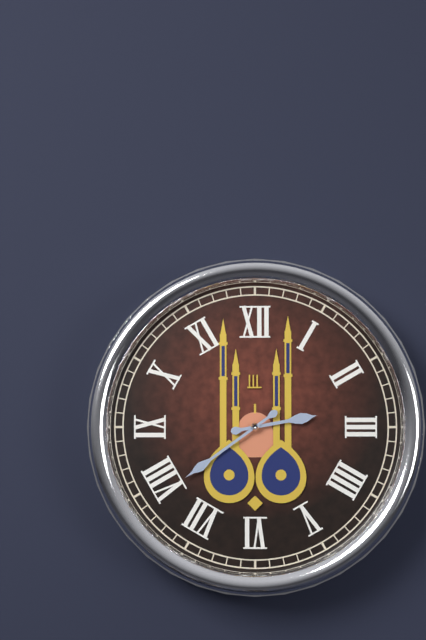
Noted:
**2:39**
